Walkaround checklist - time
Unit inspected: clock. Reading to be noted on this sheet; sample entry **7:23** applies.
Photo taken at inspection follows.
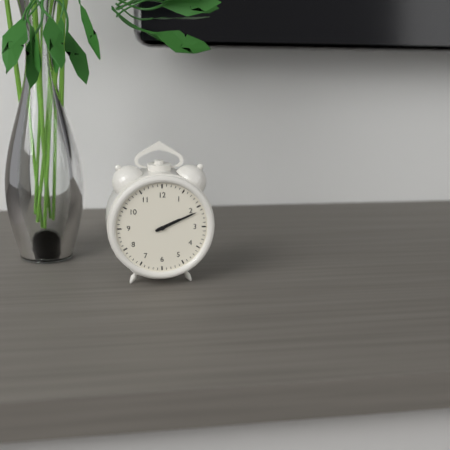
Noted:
**2:11**
